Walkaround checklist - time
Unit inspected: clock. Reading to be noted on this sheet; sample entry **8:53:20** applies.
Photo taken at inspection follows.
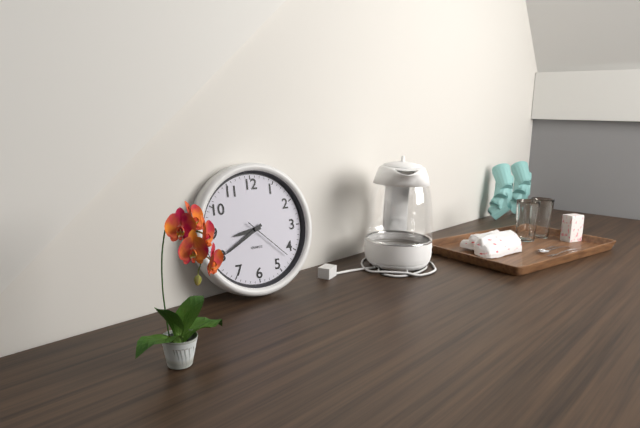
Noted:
**8:40:22**
